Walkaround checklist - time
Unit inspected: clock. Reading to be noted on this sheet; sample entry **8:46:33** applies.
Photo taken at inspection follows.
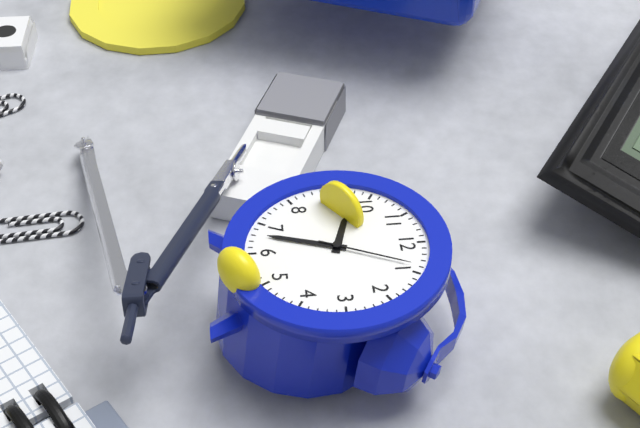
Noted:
**9:33:04**
